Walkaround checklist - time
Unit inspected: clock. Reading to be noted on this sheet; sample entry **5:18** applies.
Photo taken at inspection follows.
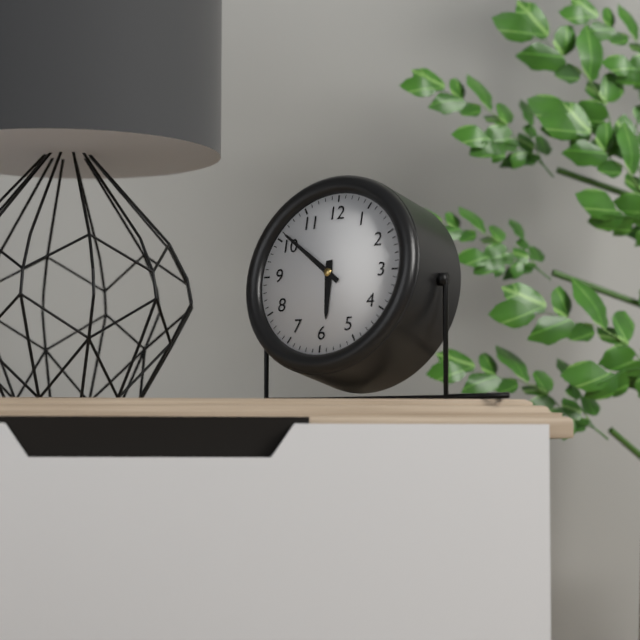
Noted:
**5:51**
